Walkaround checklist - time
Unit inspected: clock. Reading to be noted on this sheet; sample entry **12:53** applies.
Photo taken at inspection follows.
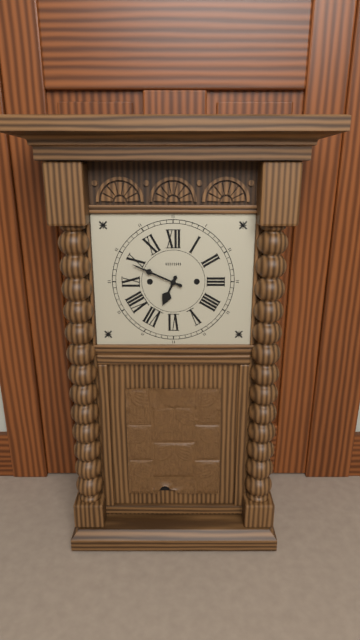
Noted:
**6:49**
